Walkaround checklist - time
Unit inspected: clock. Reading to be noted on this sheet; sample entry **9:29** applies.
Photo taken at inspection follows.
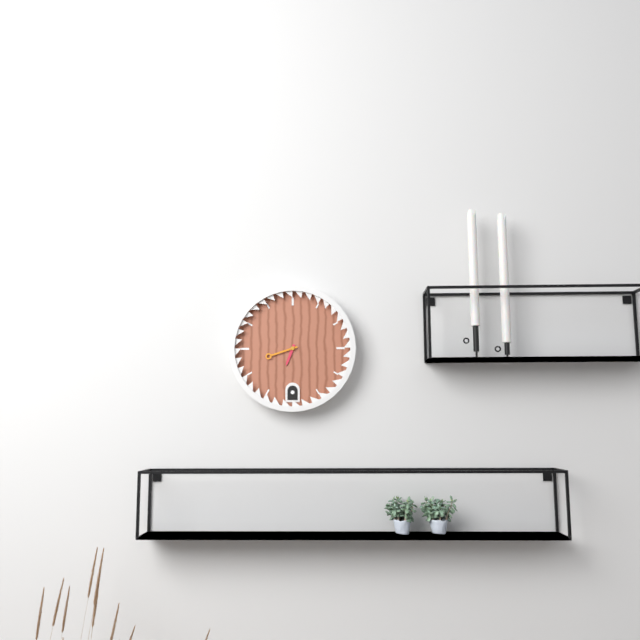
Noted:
**6:42**
